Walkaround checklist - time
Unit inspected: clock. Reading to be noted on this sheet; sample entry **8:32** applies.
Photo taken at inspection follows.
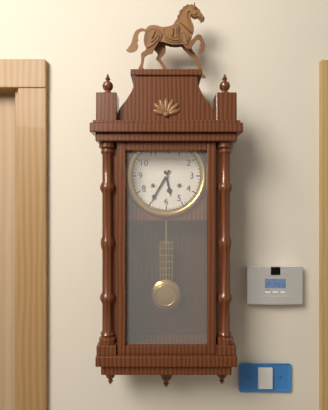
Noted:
**5:35**
